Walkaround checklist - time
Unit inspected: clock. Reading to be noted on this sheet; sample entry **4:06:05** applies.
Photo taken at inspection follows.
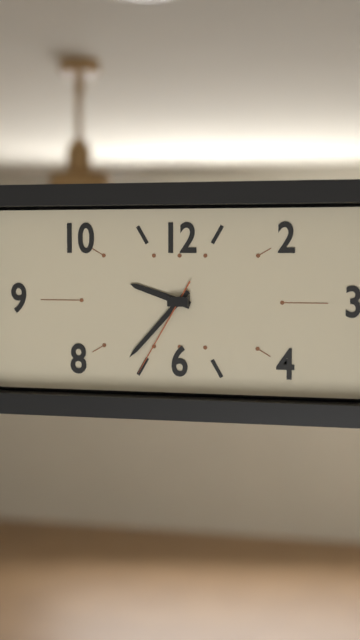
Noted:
**9:37:35**
